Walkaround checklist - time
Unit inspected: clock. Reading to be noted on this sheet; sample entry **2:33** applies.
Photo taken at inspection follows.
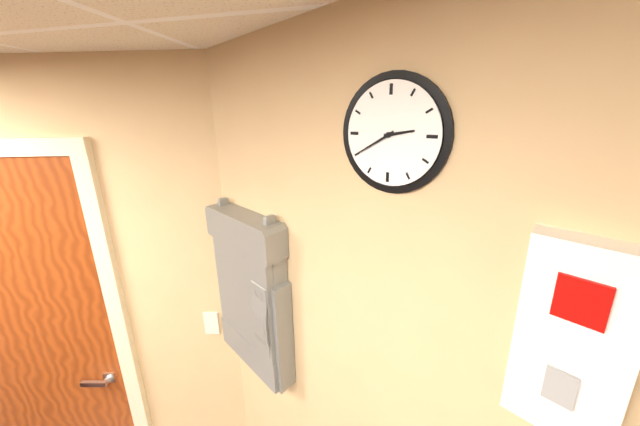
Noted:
**2:40**
